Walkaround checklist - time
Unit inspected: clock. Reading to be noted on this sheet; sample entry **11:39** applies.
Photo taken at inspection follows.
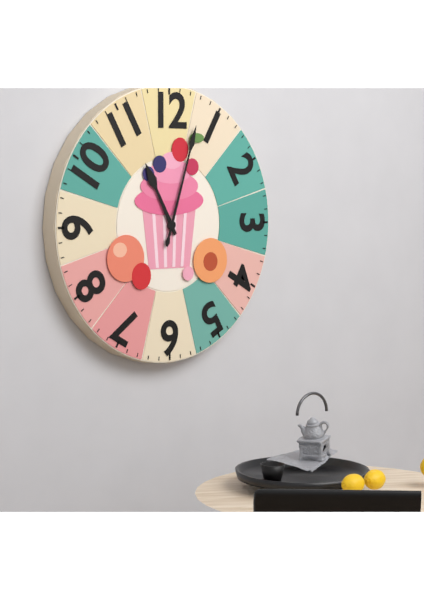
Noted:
**11:03**
